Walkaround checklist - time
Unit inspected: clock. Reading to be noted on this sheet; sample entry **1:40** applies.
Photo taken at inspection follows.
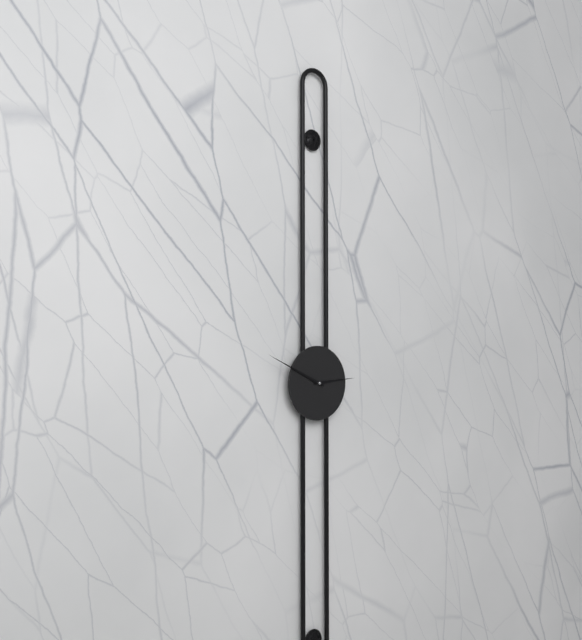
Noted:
**2:49**
